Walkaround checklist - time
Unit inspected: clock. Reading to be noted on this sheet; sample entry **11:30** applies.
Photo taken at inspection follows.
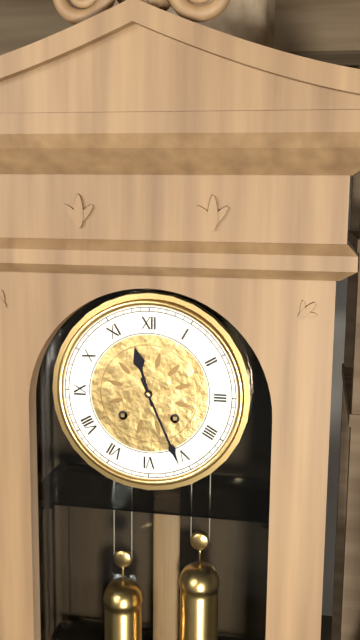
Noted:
**11:26**
